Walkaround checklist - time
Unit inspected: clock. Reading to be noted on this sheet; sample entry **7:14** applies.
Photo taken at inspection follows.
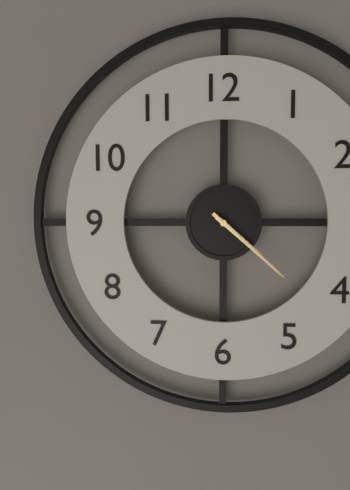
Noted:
**4:22**
